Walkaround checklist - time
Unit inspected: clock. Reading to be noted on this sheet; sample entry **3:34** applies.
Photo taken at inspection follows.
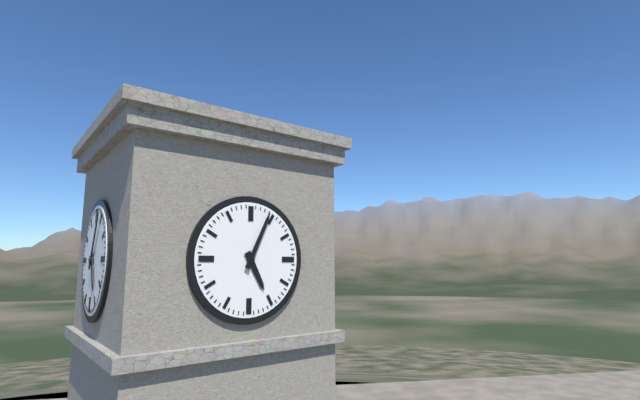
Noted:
**5:04**
